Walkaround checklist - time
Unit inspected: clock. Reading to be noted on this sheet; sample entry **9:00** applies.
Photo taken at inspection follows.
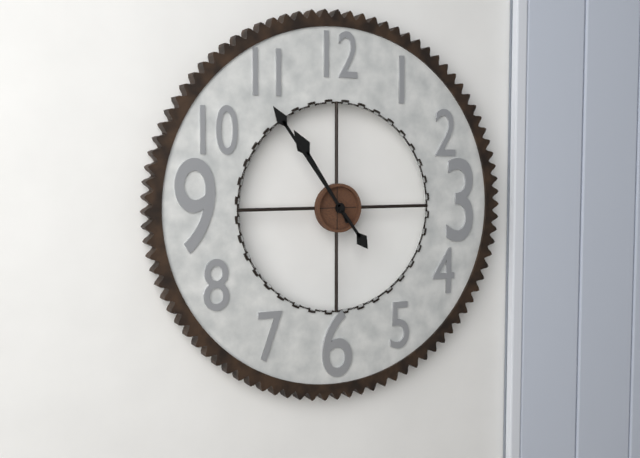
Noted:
**10:54**
